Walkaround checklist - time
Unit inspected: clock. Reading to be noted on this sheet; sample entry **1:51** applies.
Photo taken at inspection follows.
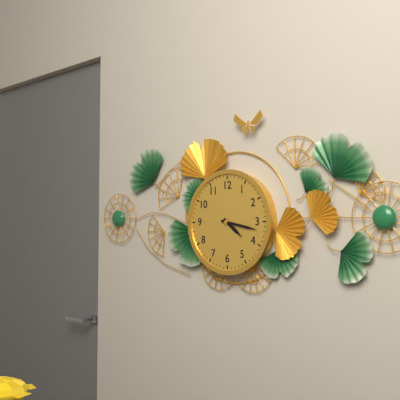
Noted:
**4:17**
